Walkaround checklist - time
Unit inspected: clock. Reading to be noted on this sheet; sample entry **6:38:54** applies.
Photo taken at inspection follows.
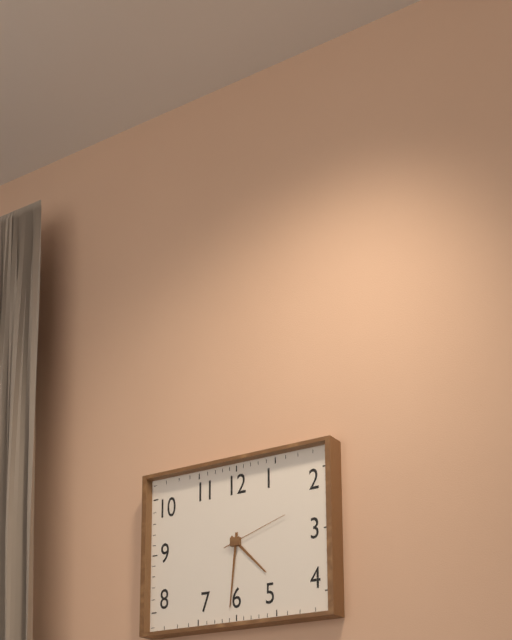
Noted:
**4:31:12**
